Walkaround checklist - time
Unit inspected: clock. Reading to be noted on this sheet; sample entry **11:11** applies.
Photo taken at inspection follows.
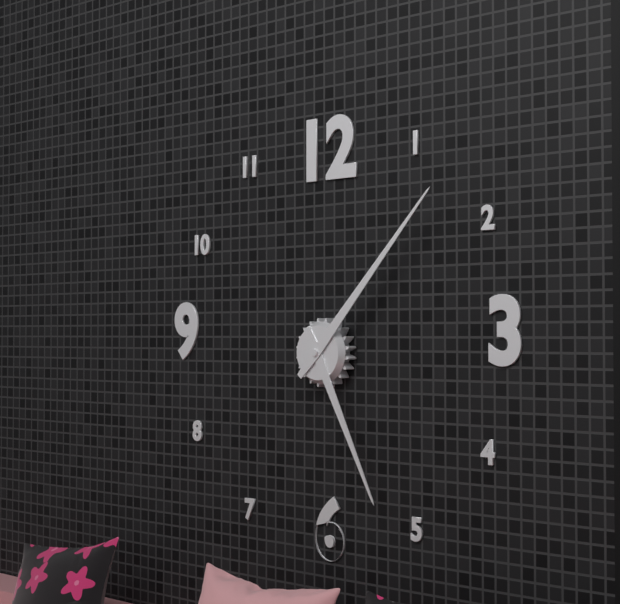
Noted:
**5:07**
